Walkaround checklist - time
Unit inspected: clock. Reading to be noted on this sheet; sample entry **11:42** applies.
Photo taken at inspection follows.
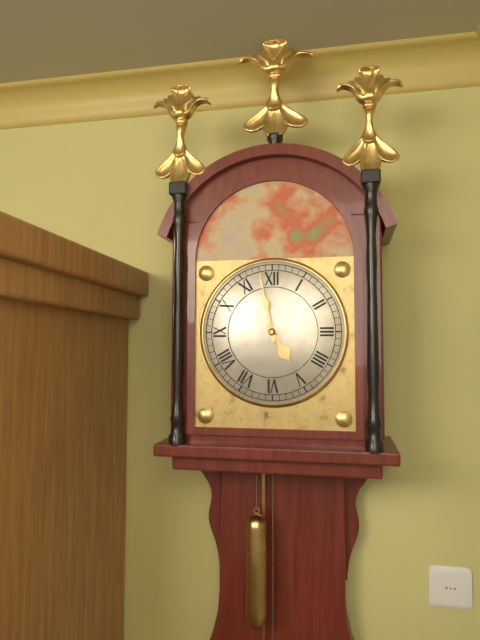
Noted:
**4:58**
